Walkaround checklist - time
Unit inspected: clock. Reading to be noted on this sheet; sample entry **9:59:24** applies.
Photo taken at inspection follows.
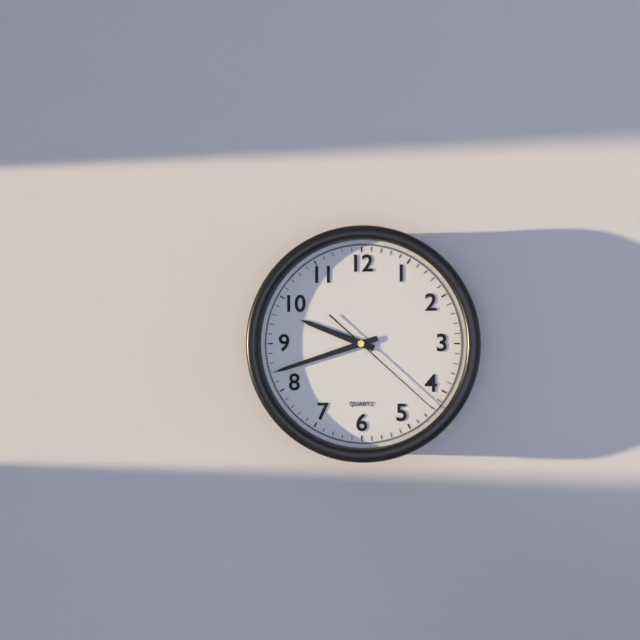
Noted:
**9:42:22**
